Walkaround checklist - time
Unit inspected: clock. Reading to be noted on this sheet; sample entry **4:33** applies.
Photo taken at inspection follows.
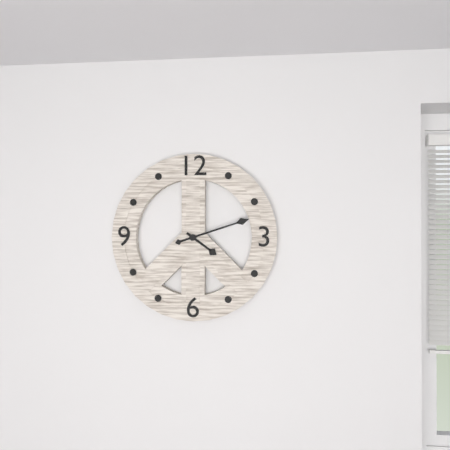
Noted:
**4:12**
